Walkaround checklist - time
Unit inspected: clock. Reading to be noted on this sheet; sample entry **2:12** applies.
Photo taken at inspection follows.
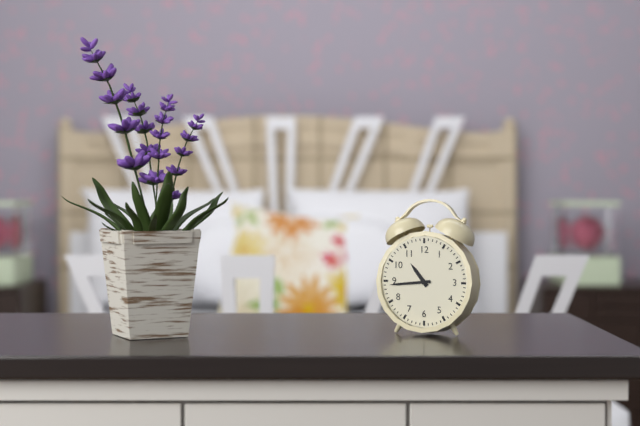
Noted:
**10:44**
